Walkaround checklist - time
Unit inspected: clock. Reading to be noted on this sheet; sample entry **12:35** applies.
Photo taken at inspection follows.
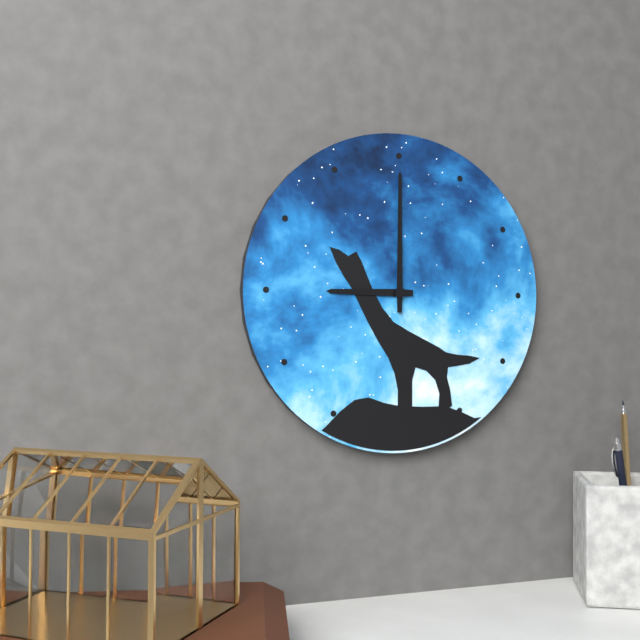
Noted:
**9:00**
